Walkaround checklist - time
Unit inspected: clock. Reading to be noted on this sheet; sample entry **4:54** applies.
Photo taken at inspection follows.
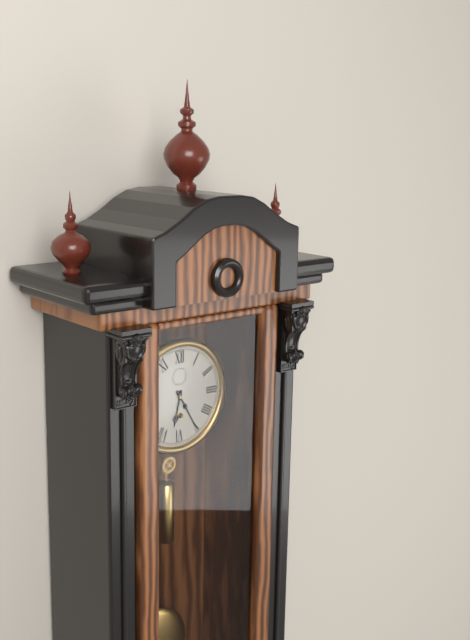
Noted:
**6:25**
